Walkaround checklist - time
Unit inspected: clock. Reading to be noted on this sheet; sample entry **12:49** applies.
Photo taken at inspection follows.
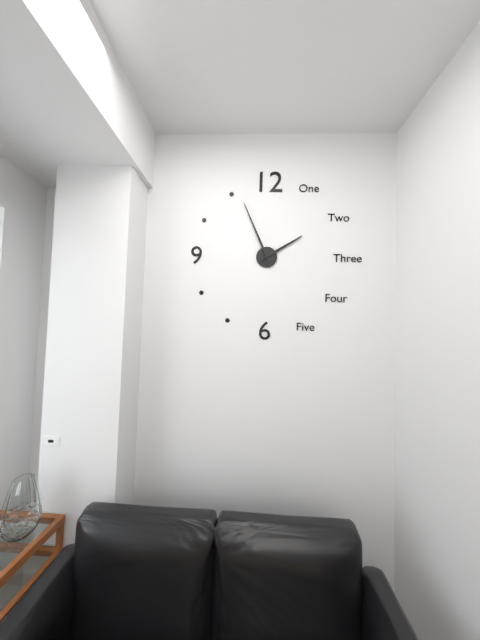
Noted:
**1:56**
